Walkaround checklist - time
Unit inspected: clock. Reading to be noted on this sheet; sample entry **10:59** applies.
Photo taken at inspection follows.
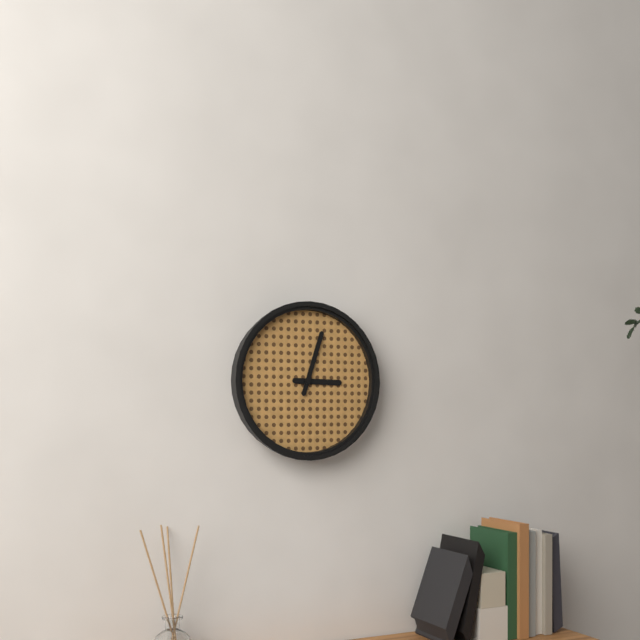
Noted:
**3:03**
